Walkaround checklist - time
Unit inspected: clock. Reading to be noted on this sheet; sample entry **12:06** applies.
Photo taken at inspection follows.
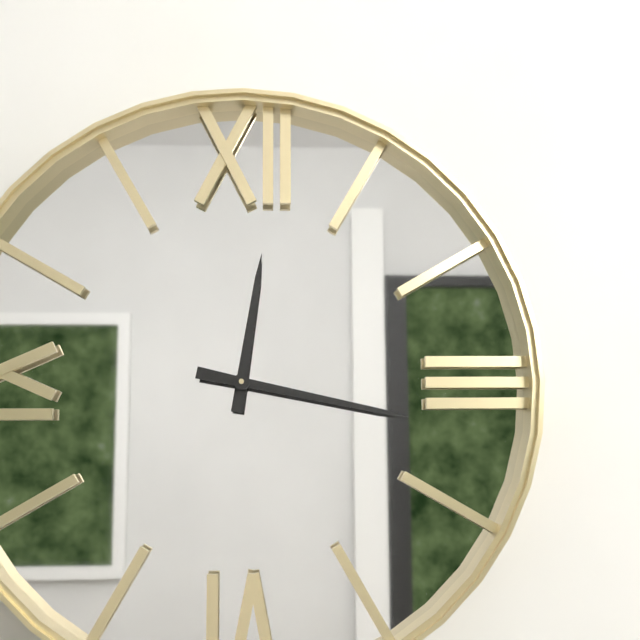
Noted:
**12:17**
